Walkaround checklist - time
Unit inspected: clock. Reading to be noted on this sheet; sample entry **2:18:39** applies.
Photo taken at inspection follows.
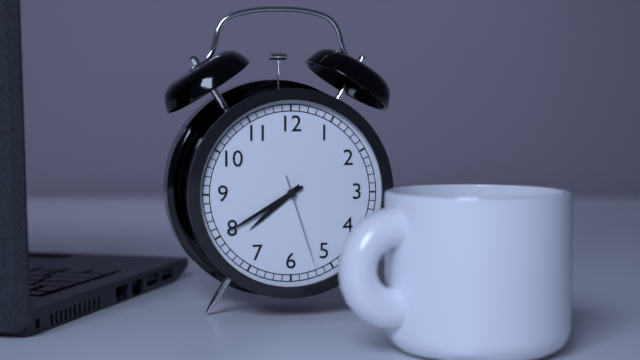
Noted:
**7:40:27**
